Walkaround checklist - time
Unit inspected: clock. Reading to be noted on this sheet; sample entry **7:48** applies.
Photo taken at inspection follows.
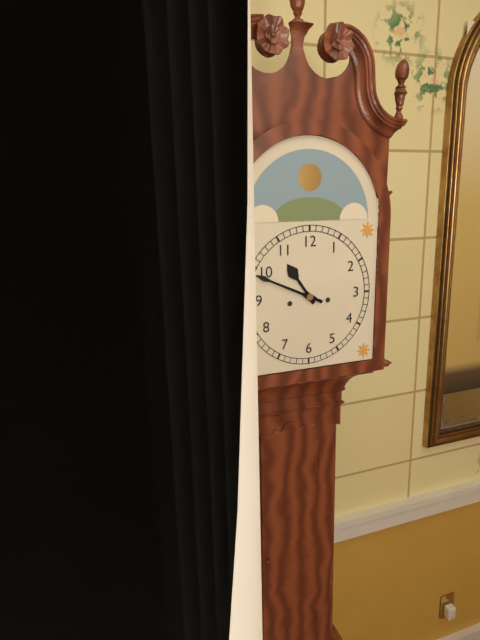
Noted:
**10:49**
